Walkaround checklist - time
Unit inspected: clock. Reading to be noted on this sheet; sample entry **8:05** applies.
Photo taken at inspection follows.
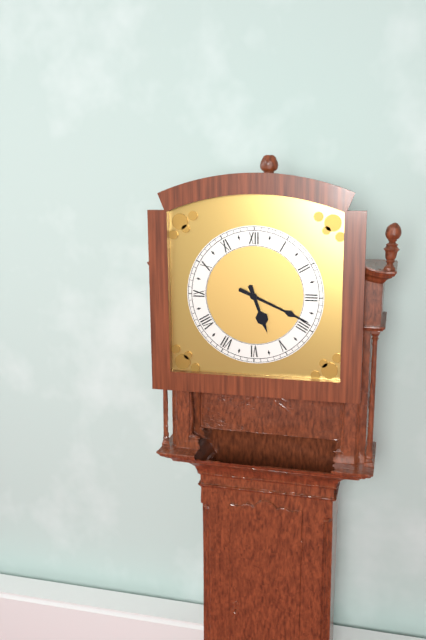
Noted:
**5:19**
